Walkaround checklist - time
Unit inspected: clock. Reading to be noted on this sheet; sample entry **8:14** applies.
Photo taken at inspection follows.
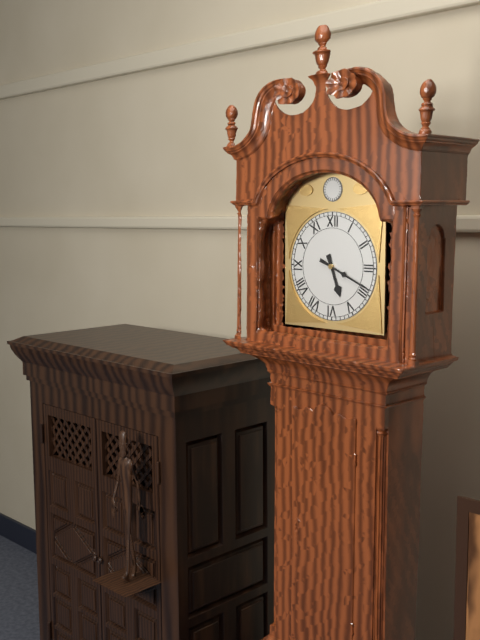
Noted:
**5:19**
